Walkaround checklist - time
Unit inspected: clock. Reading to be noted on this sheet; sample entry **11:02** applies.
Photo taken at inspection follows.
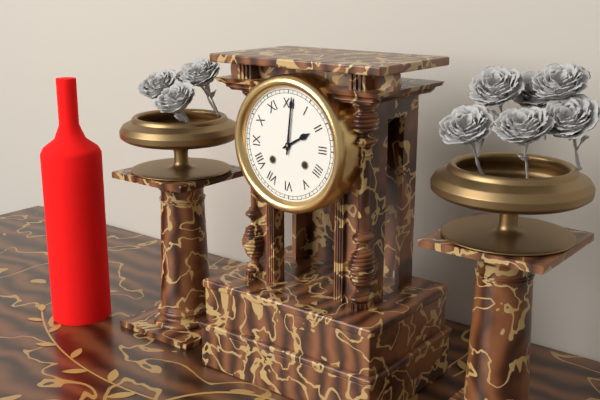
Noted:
**2:01**
